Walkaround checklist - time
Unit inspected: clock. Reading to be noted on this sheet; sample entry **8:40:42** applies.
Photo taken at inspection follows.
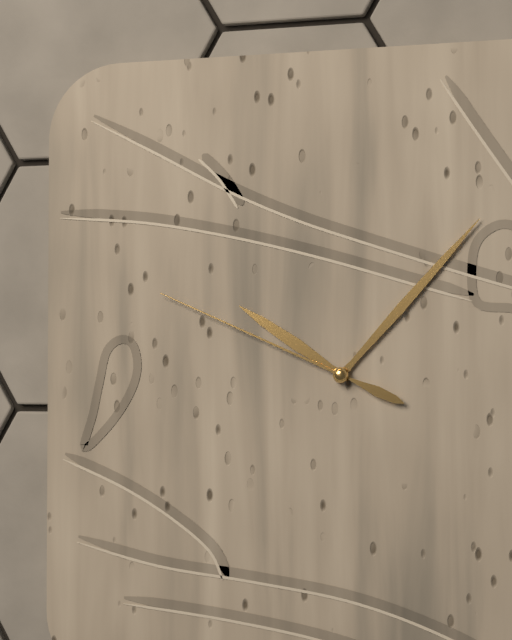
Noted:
**10:07:49**
